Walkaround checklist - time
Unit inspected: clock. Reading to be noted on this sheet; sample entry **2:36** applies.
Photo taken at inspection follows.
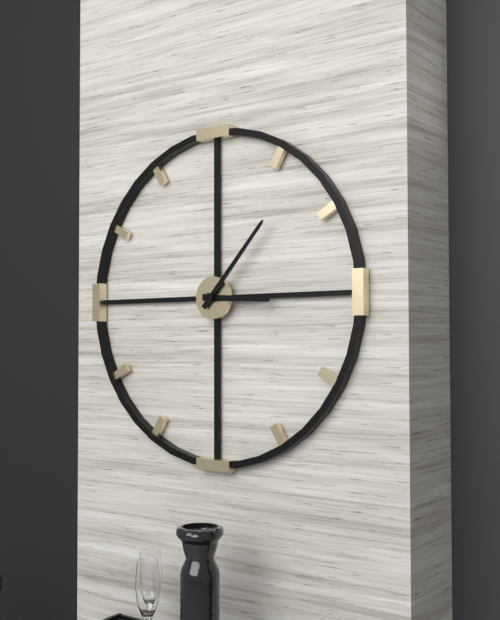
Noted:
**3:07**
